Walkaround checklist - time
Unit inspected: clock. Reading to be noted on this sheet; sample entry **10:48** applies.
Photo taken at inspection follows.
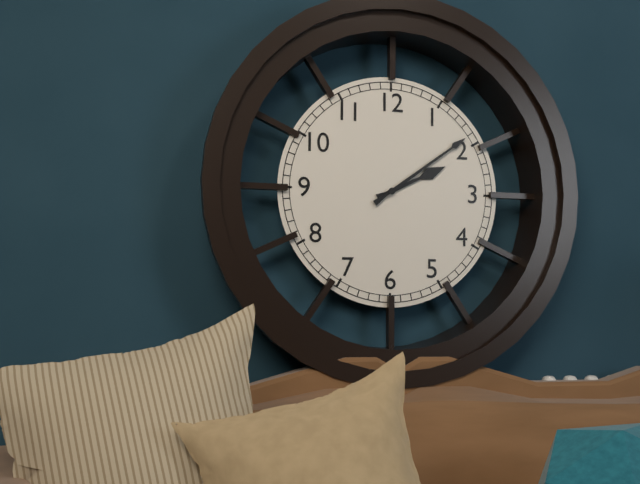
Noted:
**2:09**
